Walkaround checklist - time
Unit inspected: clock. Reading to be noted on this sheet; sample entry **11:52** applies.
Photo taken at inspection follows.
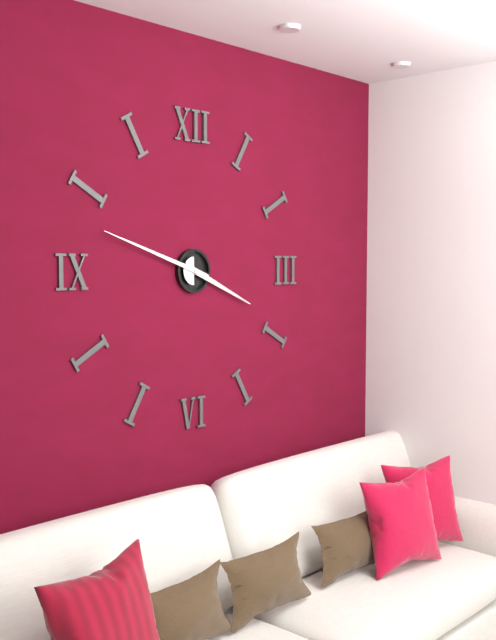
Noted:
**3:48**
